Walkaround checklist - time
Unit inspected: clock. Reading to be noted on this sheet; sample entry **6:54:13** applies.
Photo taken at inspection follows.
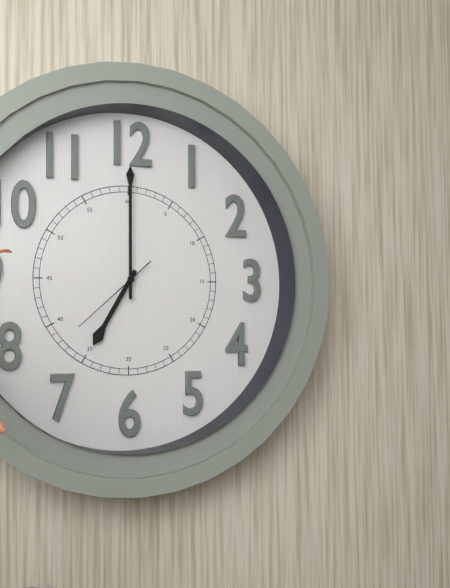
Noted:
**7:00:38**
